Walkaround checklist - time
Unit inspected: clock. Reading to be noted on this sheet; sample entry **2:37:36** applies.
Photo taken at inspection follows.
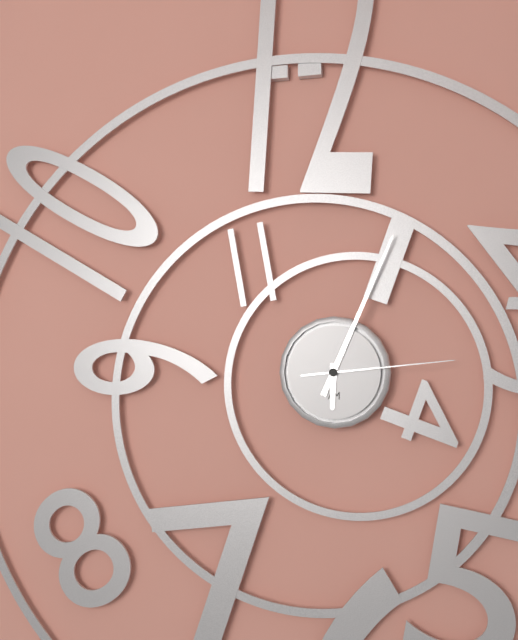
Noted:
**6:04:14**
